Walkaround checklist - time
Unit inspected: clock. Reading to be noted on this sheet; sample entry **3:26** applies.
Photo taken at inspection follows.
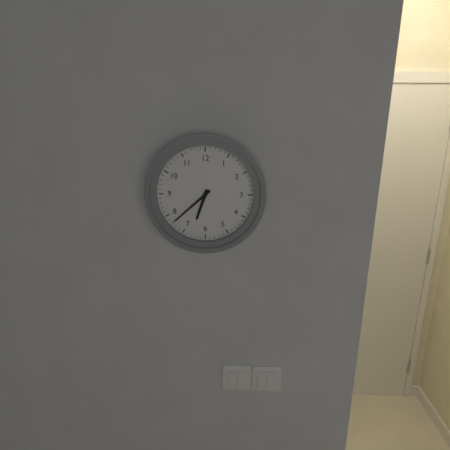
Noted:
**6:38**
